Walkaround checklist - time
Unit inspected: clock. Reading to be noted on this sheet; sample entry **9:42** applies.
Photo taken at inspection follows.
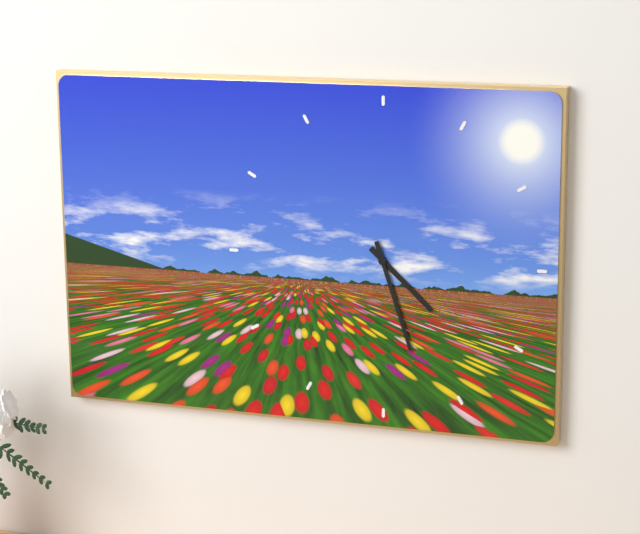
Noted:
**4:27**
